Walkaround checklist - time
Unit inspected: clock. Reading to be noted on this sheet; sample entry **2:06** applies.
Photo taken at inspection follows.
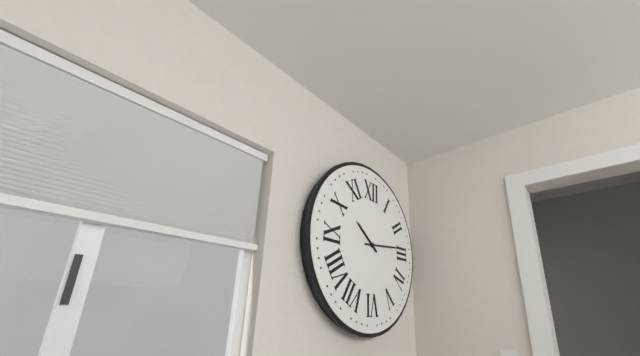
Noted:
**10:14**
